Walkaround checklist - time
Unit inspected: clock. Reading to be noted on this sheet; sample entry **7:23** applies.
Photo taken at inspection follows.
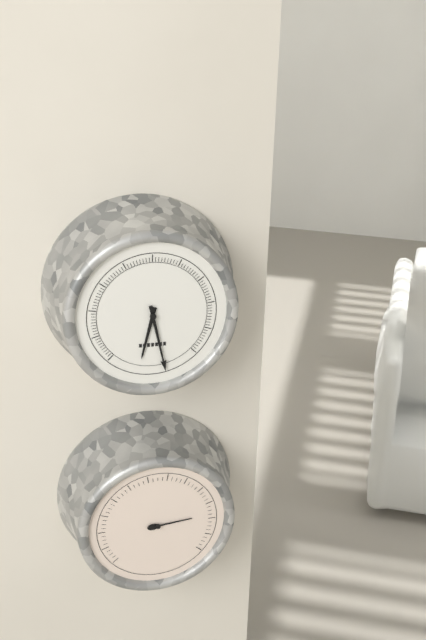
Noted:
**6:28**
